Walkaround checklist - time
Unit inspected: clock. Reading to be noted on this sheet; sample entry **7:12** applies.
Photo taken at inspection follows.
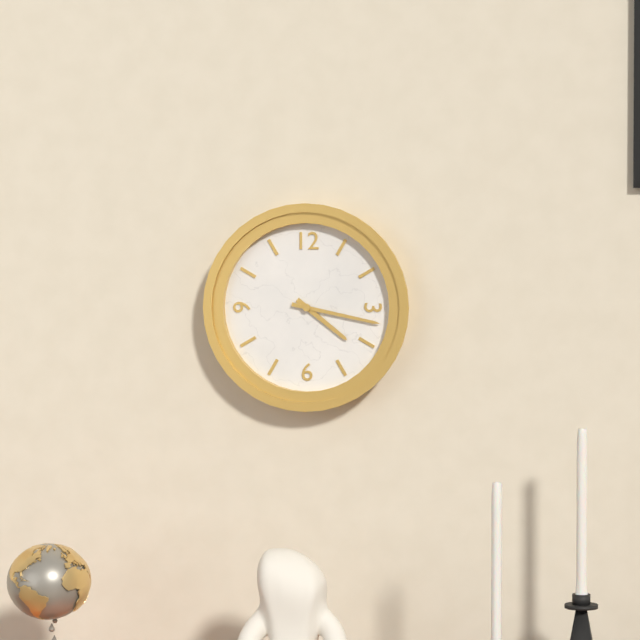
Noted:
**4:17**
